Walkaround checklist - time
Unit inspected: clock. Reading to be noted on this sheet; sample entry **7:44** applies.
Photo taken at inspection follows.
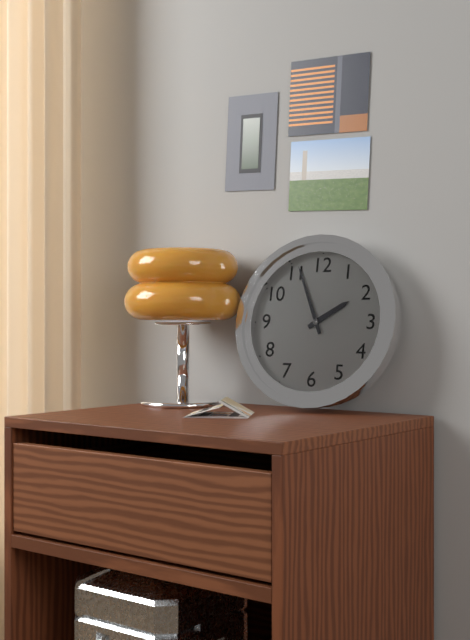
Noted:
**1:56**
